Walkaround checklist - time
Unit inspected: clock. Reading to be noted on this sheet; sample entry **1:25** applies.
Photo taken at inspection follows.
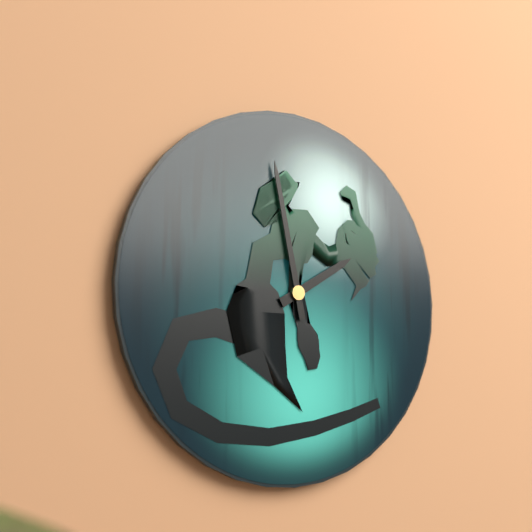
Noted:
**1:58**
